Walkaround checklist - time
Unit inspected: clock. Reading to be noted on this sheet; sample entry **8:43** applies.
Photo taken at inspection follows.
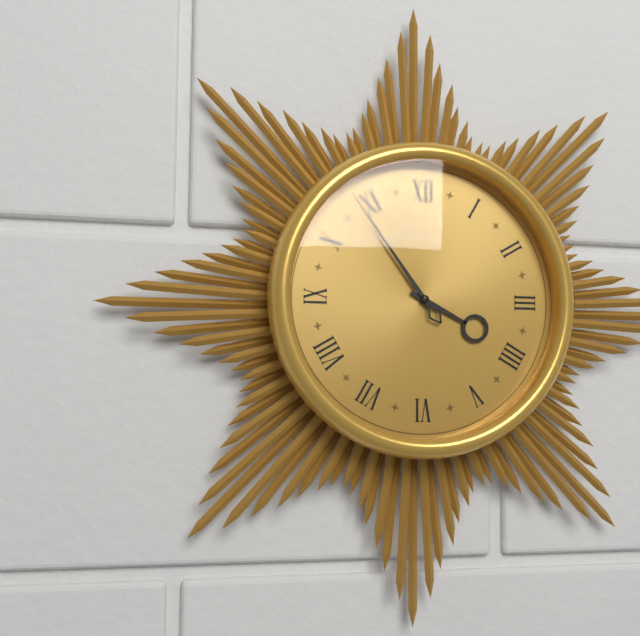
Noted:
**3:54**
